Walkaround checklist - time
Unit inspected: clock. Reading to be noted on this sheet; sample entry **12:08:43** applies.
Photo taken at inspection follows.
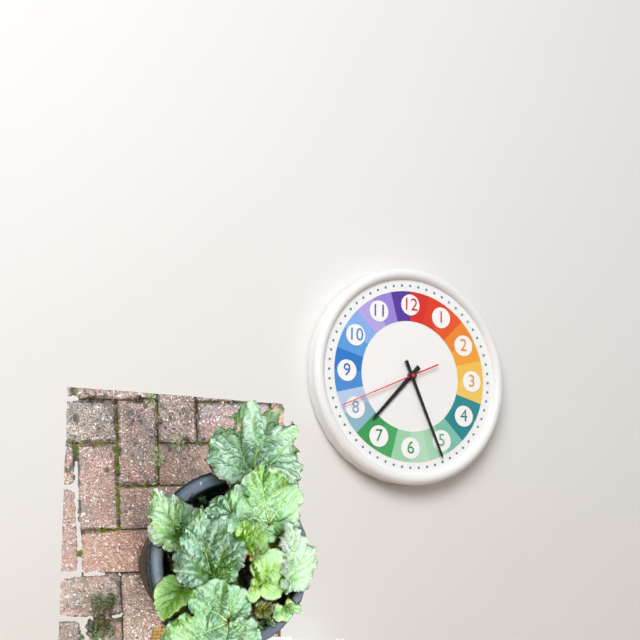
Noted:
**7:26:41**
